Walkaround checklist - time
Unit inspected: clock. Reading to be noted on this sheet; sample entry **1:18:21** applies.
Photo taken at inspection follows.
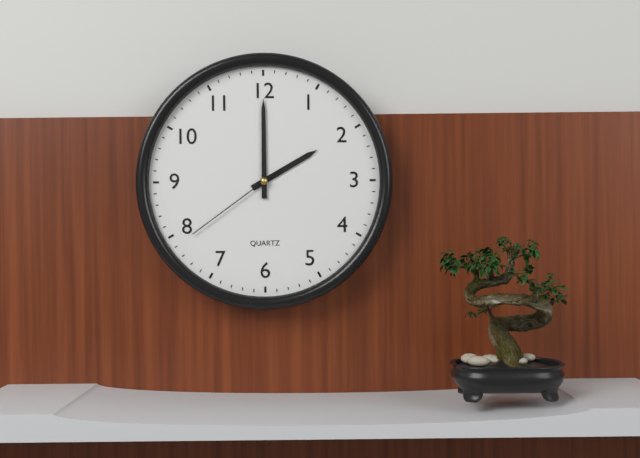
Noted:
**2:00:39**
